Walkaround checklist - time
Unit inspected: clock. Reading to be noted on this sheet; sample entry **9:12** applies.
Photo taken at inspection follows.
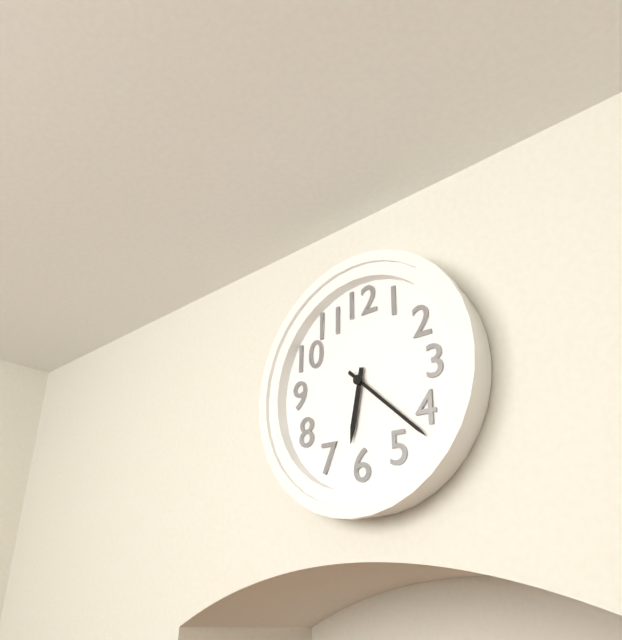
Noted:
**6:22**
